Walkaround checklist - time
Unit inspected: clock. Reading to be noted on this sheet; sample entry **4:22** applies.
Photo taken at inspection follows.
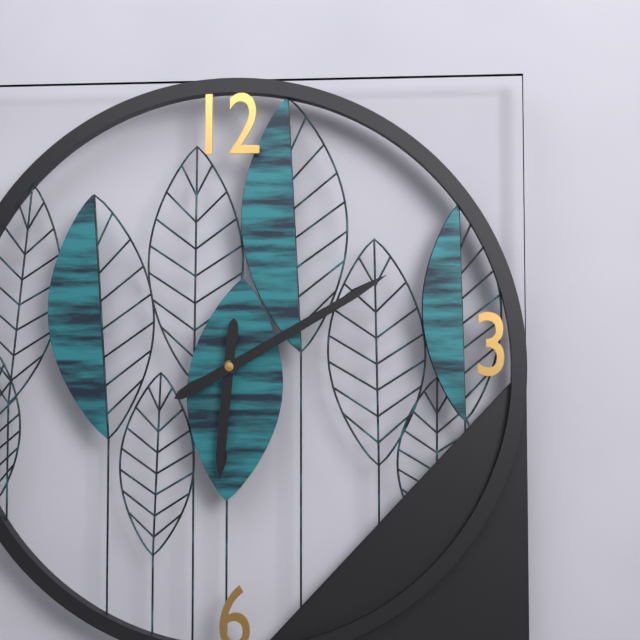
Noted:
**6:10**
